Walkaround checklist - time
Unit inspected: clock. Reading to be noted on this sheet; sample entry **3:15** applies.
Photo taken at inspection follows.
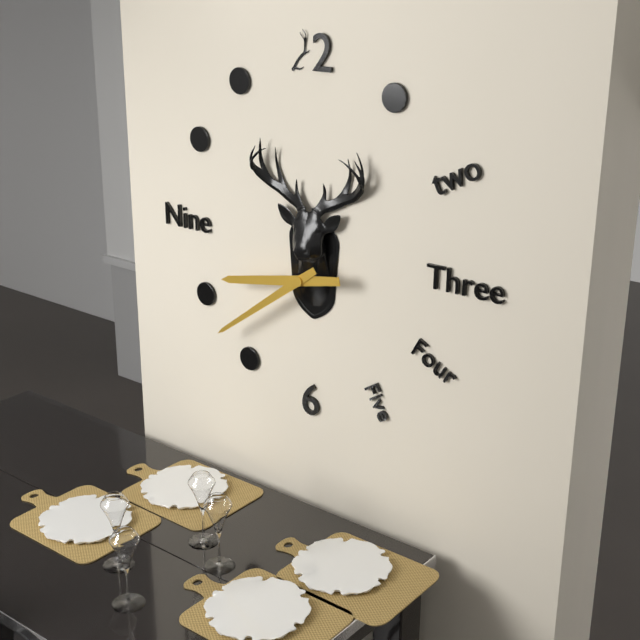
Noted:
**8:39**
